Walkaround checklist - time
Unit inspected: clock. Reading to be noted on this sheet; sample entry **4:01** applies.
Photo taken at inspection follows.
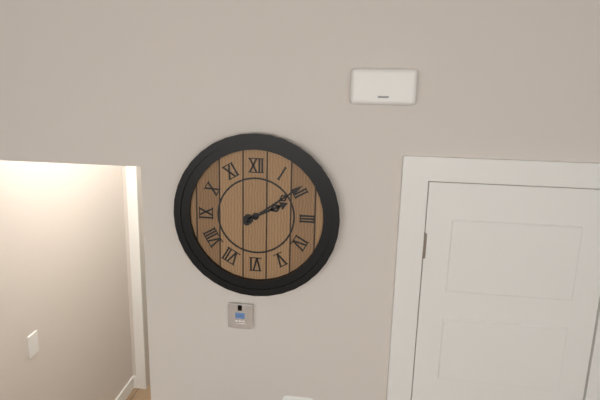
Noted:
**2:09**
